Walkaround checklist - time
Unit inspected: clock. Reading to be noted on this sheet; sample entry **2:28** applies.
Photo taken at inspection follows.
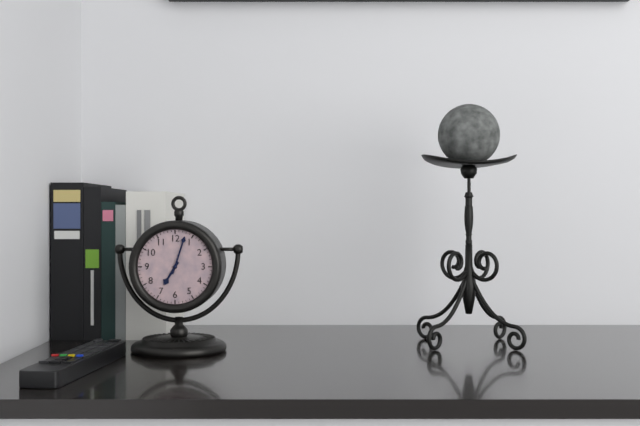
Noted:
**7:03**
